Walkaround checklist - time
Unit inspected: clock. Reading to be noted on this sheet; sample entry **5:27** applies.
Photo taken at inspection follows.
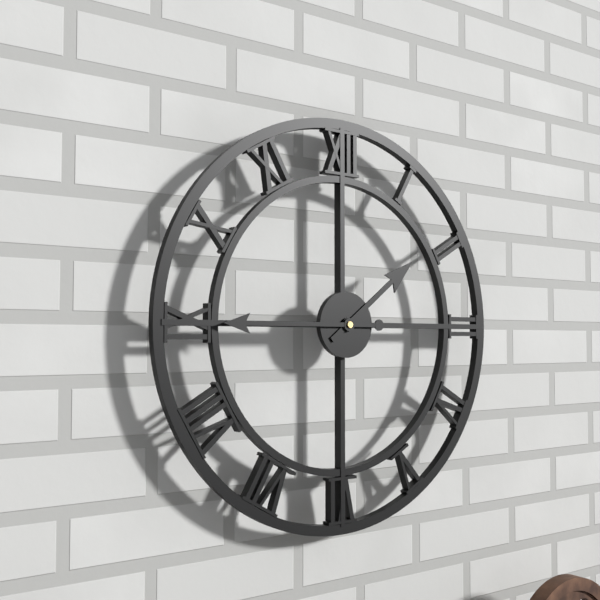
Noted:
**1:45**
